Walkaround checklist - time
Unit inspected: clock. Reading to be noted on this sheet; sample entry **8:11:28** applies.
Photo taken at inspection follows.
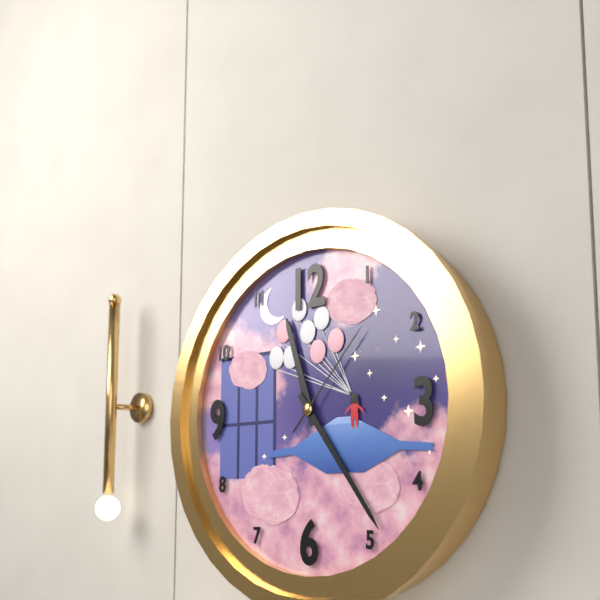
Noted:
**11:24:07**
